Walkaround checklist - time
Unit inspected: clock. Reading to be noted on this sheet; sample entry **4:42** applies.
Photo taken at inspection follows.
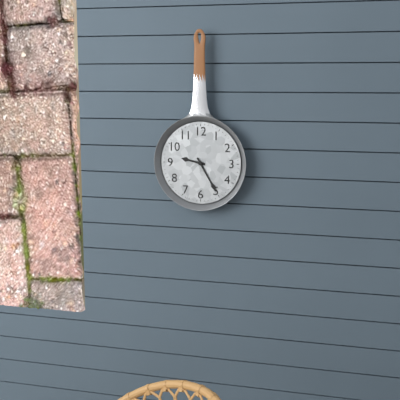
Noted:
**9:25**
